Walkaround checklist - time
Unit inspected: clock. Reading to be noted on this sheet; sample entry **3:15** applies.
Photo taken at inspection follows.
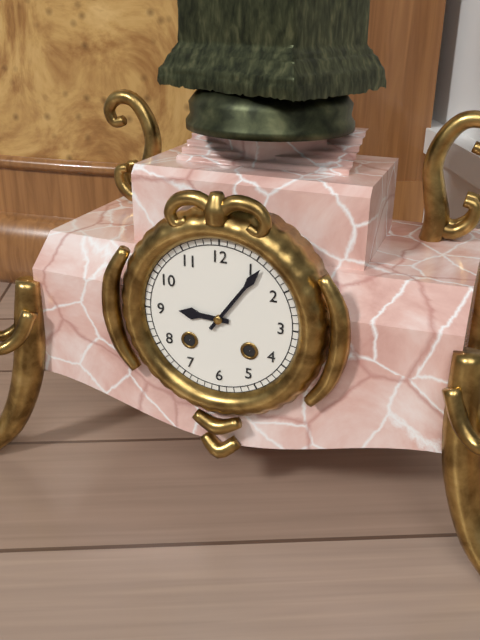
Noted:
**9:06**
